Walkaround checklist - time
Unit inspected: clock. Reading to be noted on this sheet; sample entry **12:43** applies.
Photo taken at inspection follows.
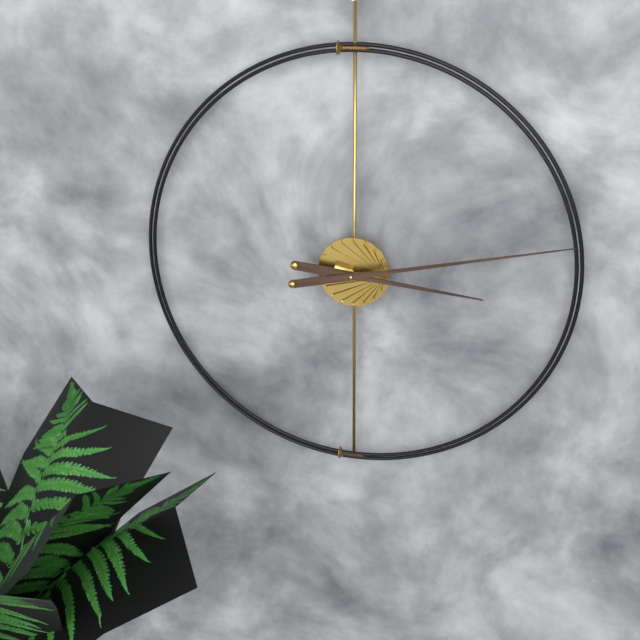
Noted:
**3:13**
